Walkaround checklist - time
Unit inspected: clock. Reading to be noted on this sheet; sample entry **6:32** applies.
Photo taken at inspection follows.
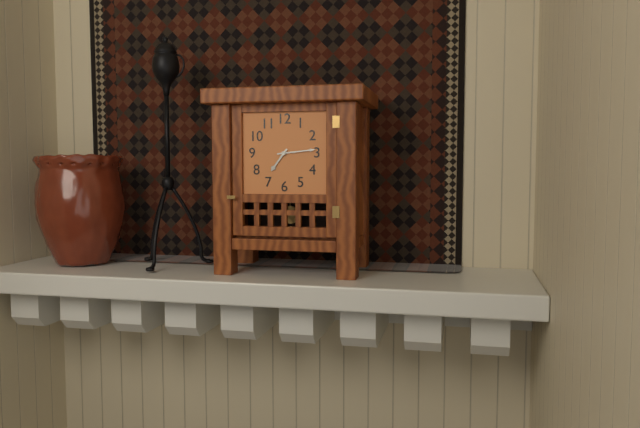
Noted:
**7:14**
